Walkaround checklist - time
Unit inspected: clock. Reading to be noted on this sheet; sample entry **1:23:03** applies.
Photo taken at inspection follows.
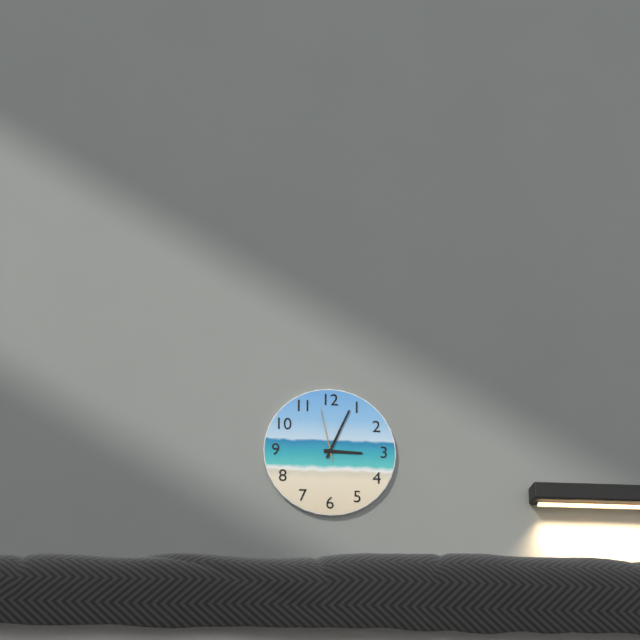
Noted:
**3:04:58**
